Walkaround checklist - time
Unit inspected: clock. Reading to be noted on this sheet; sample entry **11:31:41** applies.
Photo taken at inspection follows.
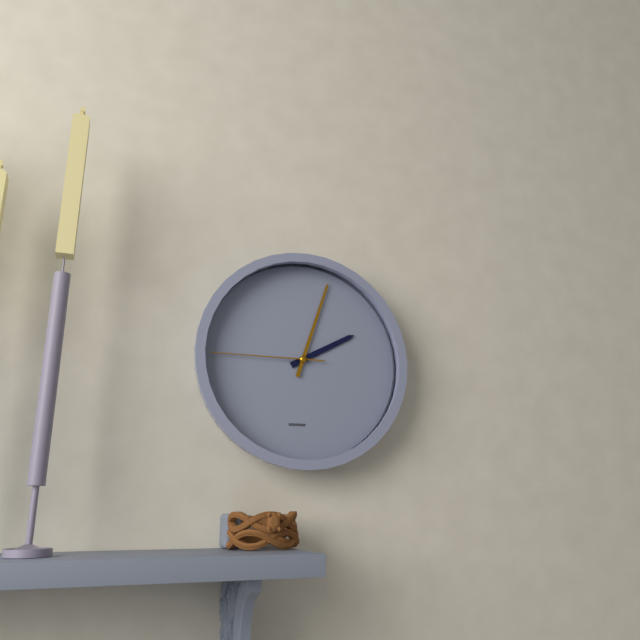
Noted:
**2:03:45**
